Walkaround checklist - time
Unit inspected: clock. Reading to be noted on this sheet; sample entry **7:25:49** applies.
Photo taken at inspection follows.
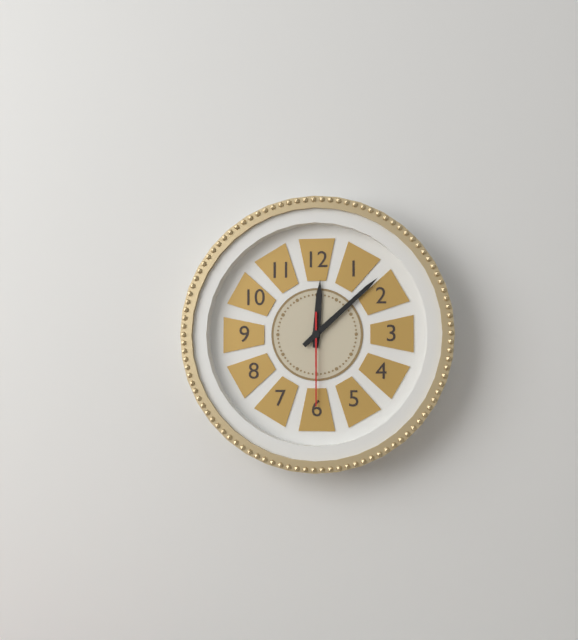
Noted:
**12:08:30**
